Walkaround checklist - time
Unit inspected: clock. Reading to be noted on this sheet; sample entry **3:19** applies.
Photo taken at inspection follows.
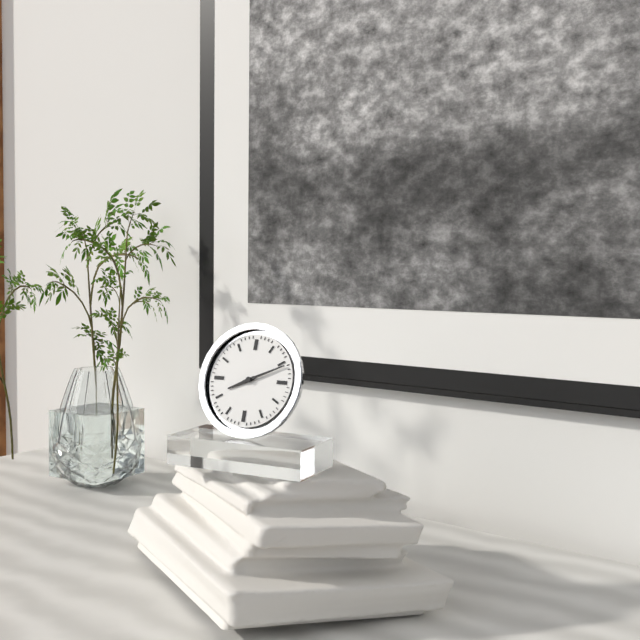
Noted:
**8:11**
